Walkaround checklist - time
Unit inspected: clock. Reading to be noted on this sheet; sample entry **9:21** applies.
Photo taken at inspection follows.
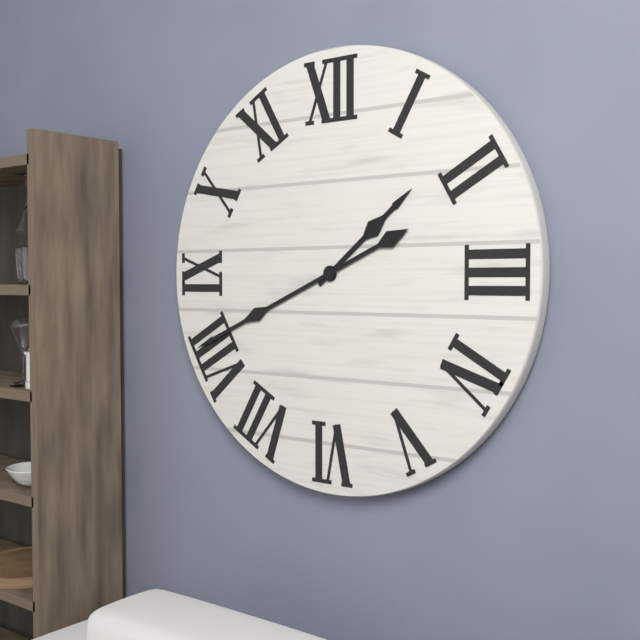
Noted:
**1:41**
